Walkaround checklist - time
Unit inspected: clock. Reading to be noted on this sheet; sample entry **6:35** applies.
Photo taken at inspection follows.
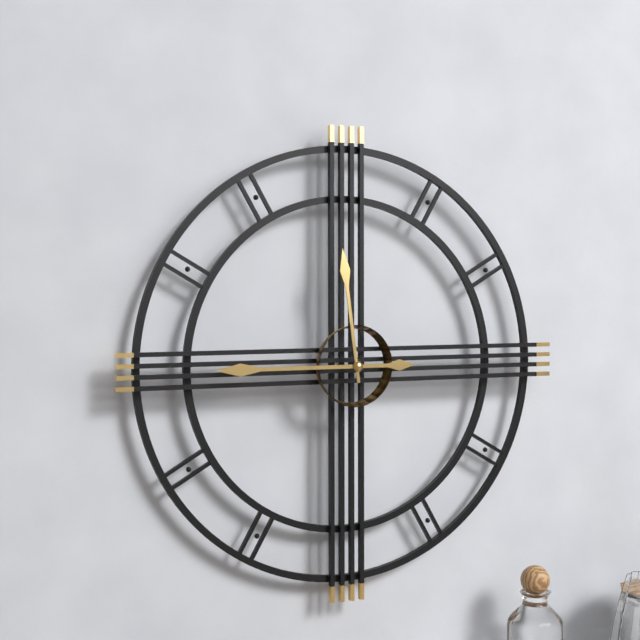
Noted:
**11:45**
